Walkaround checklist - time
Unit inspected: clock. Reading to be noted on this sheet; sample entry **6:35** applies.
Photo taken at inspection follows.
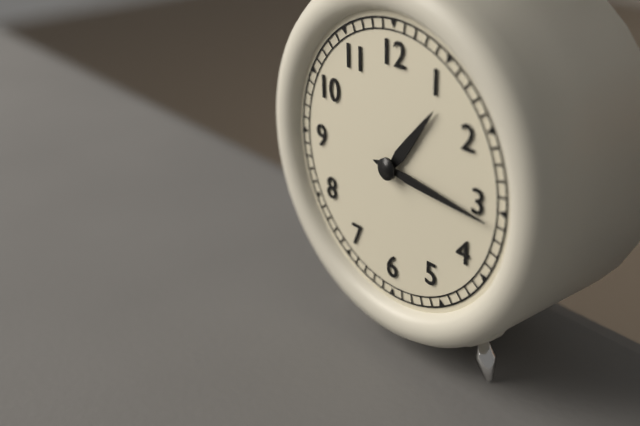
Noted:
**1:16**
